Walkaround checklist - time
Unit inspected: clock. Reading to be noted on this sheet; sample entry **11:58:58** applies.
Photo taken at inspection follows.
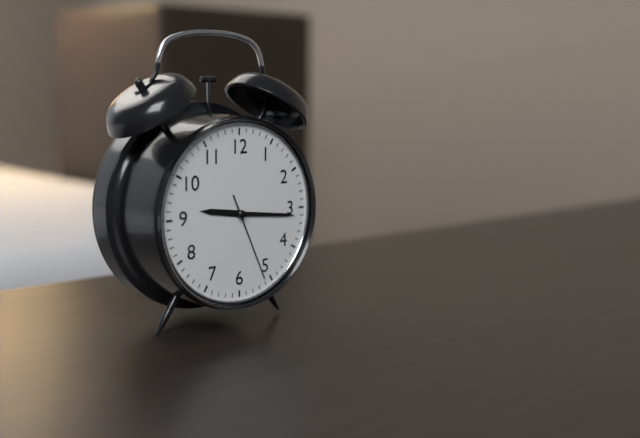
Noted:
**9:16:26**
